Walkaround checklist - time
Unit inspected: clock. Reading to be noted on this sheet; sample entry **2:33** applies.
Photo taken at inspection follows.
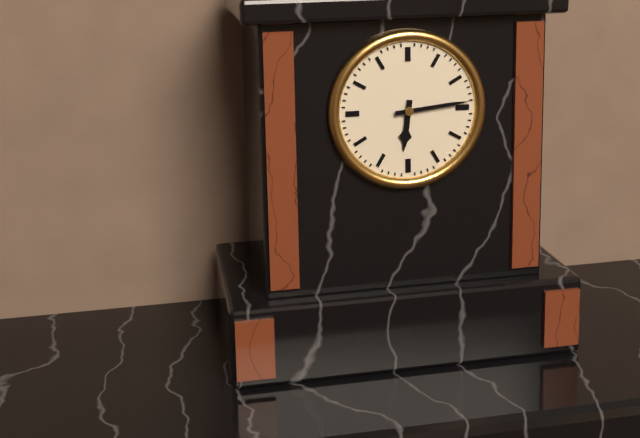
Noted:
**6:14**
